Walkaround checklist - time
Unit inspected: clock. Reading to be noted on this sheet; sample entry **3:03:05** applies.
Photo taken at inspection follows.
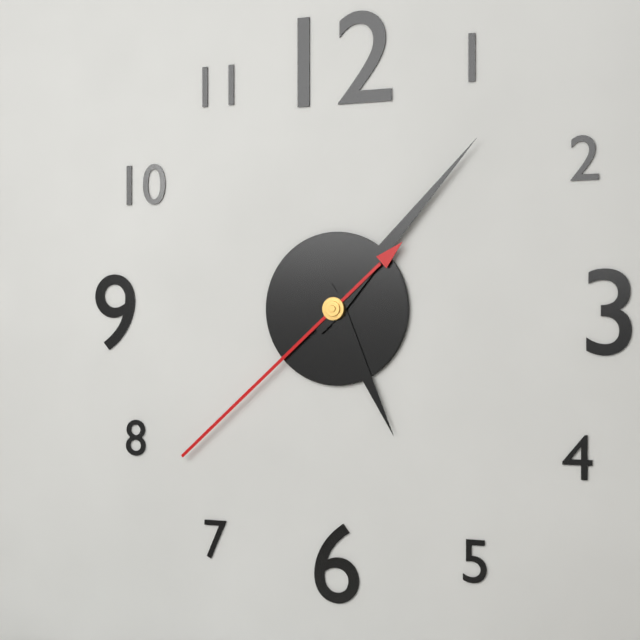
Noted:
**5:07:38**
